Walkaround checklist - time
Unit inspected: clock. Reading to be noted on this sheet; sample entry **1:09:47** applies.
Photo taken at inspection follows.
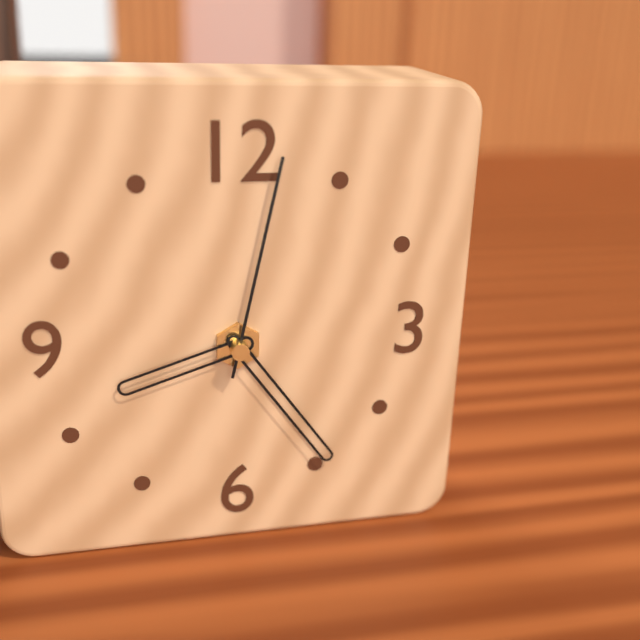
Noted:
**8:24:02**
